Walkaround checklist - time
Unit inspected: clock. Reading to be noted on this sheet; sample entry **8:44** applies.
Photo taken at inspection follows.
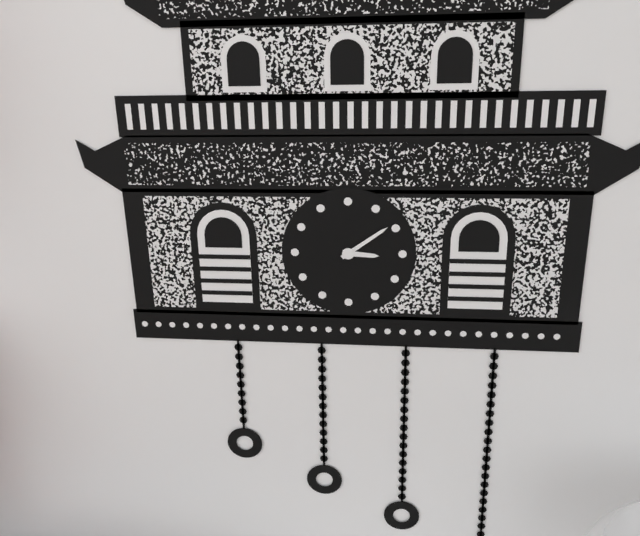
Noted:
**3:09**
